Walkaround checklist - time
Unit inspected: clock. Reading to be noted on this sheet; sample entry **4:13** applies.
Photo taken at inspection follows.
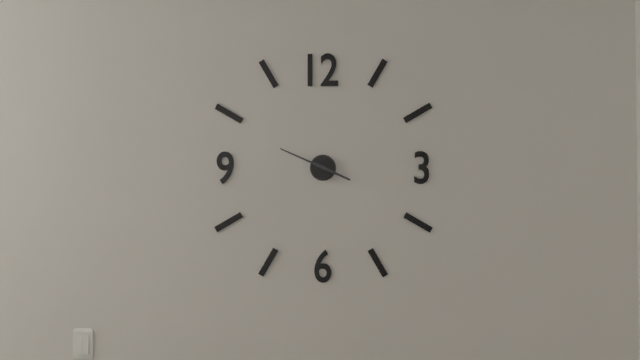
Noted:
**3:49**
